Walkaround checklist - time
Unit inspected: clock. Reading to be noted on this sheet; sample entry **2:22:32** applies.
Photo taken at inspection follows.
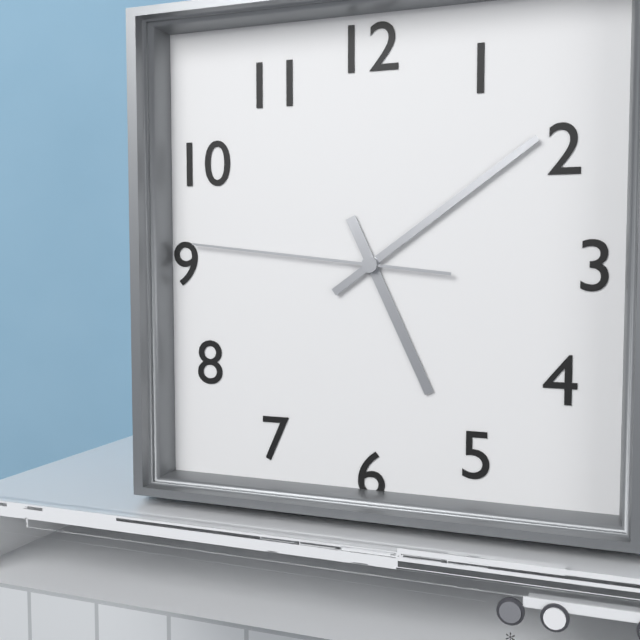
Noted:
**5:09:46**
